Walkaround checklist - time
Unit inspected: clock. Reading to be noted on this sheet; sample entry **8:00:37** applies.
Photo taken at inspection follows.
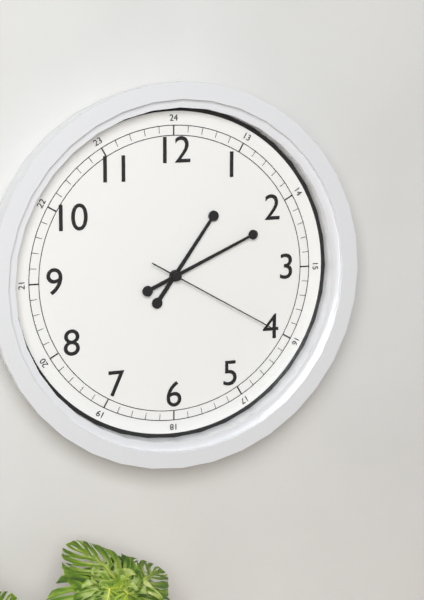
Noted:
**1:11:20**
